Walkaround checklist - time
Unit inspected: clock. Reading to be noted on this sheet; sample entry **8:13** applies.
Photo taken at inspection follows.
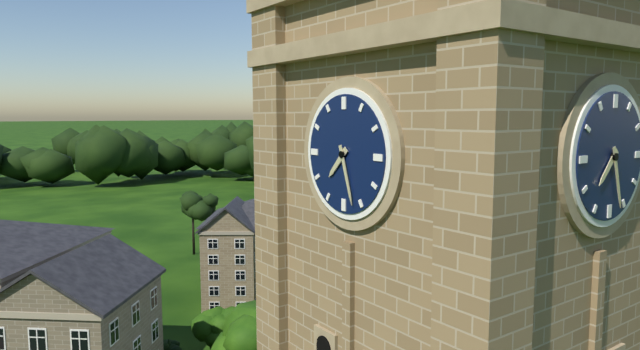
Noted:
**7:27**
